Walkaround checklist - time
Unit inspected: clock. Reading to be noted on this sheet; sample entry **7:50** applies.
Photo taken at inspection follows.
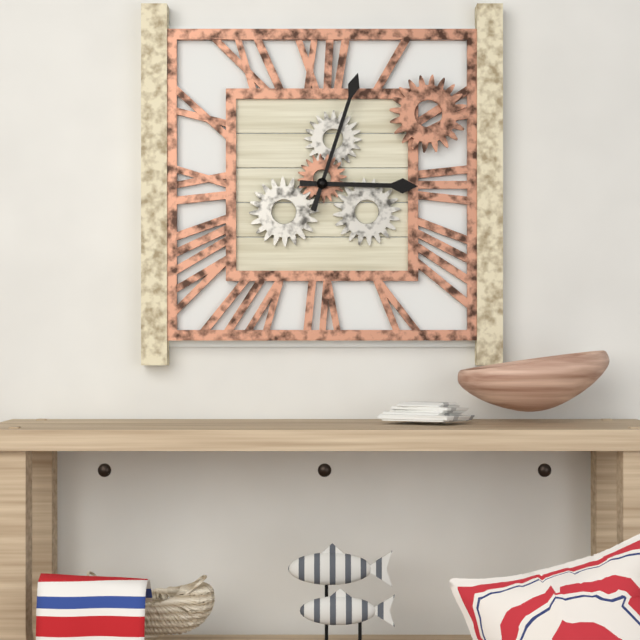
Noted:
**3:03**
